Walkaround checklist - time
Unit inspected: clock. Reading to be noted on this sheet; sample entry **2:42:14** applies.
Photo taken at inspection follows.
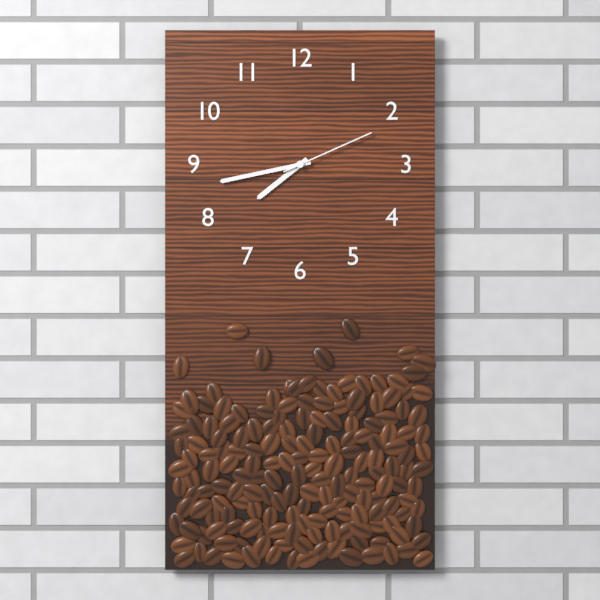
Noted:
**7:43:11**
